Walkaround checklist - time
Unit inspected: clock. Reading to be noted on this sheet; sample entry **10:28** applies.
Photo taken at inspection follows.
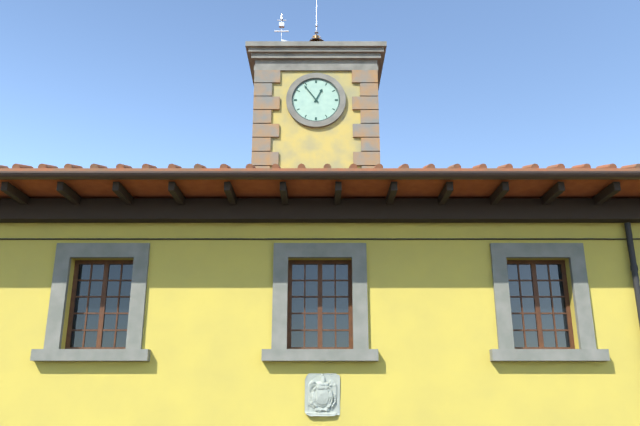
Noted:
**12:54**
